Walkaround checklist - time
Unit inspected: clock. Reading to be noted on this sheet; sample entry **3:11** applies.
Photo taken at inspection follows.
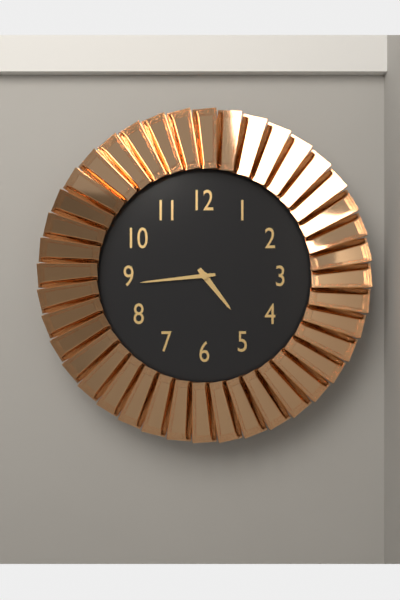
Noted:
**4:44**
